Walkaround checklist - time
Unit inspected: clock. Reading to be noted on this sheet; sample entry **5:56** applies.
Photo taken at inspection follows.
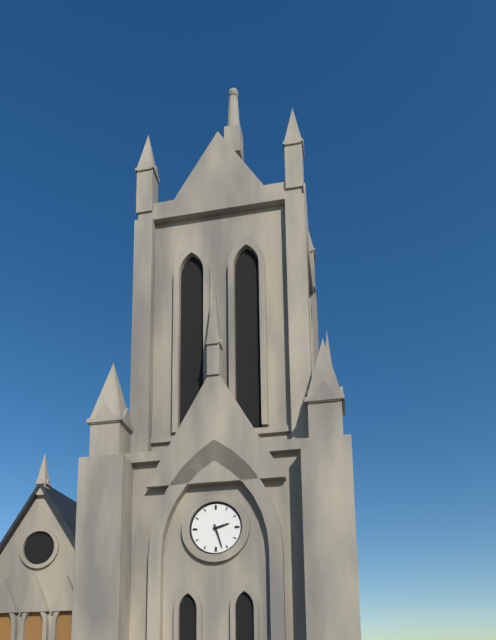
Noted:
**2:27**
